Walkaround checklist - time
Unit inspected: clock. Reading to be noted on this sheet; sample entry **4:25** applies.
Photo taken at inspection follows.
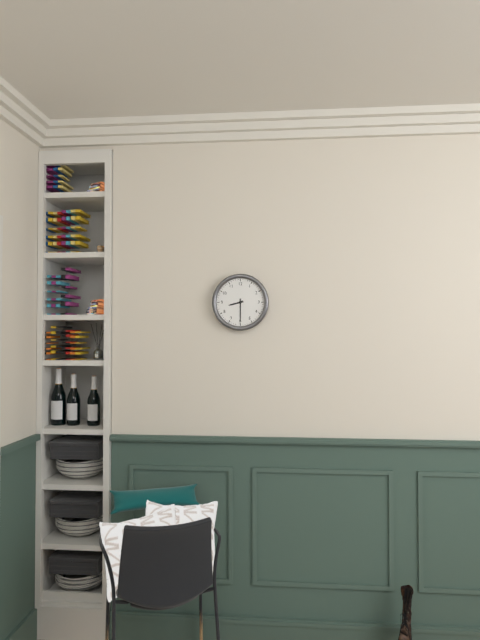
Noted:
**8:30**
